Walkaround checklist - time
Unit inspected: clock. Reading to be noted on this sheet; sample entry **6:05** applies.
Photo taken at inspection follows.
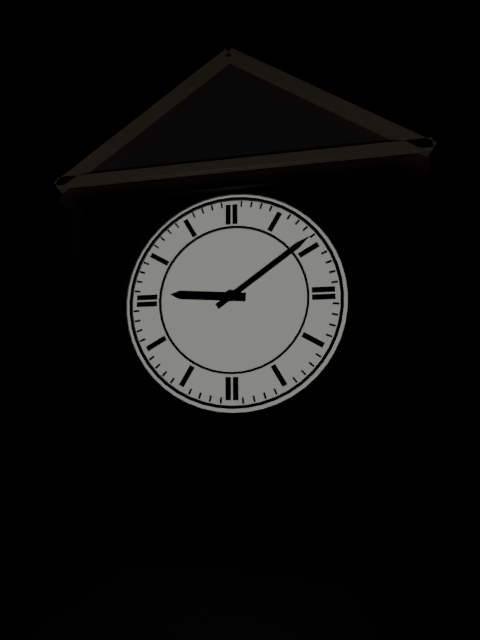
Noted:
**9:09**
